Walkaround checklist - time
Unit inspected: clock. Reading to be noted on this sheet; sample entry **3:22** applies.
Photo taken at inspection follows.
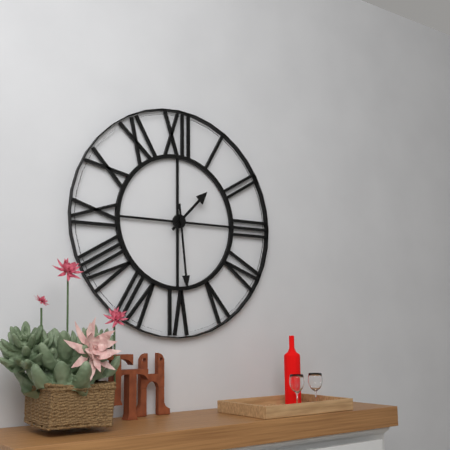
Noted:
**1:29**
